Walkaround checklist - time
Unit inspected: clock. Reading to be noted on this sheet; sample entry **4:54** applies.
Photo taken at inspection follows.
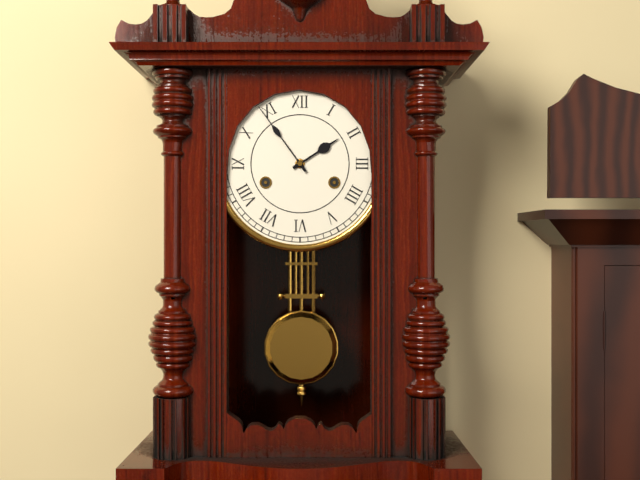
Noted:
**1:54**
